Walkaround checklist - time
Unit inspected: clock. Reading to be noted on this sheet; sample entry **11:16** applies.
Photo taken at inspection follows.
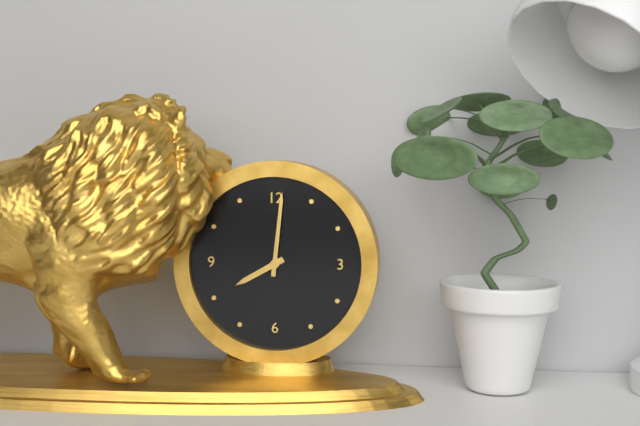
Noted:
**8:01**
